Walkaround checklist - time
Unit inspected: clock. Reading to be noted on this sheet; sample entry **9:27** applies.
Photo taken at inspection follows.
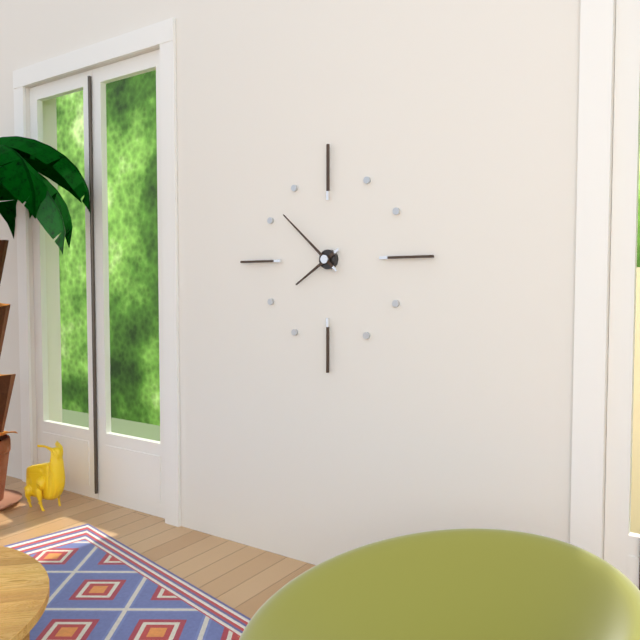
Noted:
**7:52**
